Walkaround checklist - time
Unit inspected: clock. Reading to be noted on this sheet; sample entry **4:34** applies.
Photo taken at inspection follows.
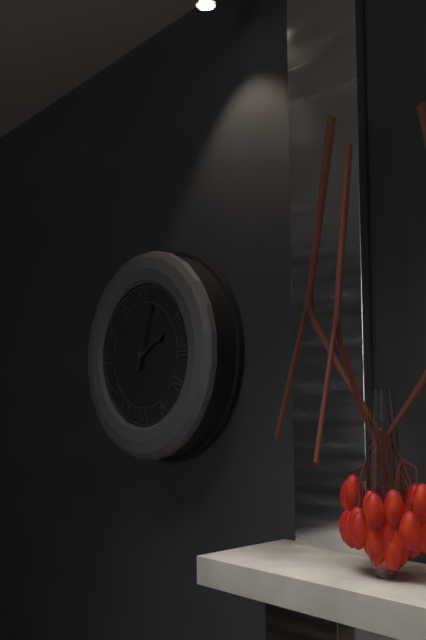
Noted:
**2:03**
